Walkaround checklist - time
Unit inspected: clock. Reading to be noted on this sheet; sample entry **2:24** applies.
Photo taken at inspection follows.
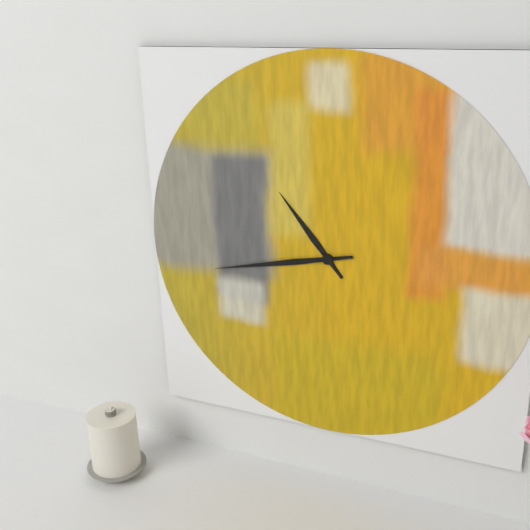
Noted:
**10:43**
